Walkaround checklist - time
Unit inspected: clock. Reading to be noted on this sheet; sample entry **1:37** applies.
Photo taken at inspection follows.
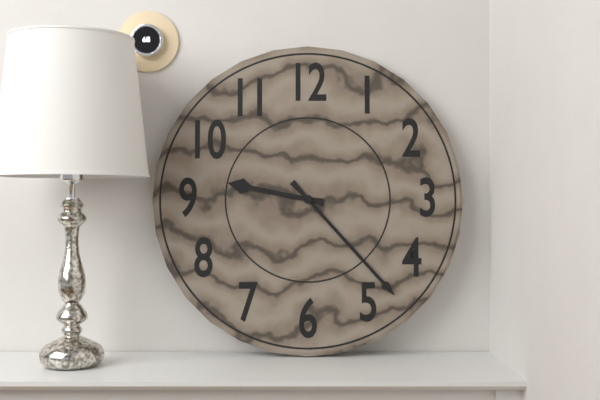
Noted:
**9:23**
